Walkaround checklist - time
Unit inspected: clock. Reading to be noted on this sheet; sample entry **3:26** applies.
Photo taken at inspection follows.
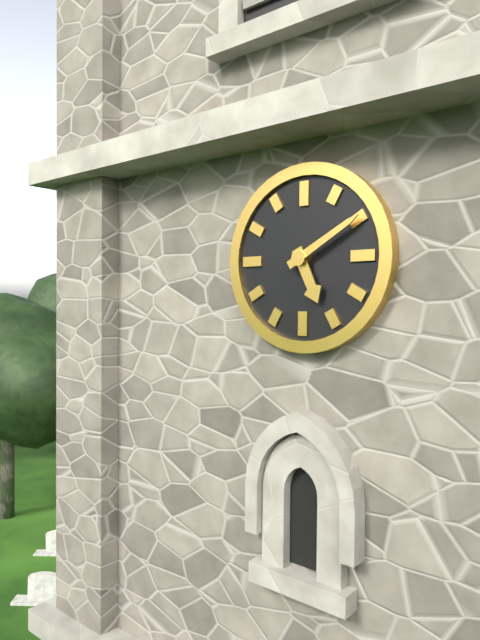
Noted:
**5:10**
